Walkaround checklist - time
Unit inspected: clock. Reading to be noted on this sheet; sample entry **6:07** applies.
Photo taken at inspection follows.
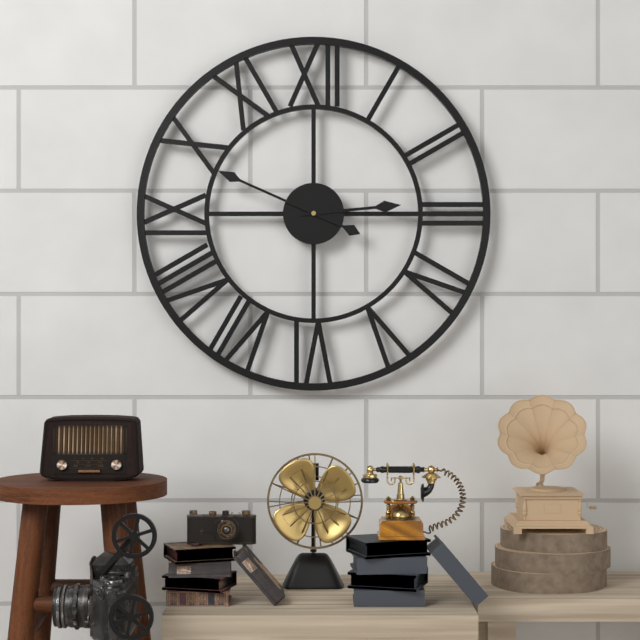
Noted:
**2:49**
